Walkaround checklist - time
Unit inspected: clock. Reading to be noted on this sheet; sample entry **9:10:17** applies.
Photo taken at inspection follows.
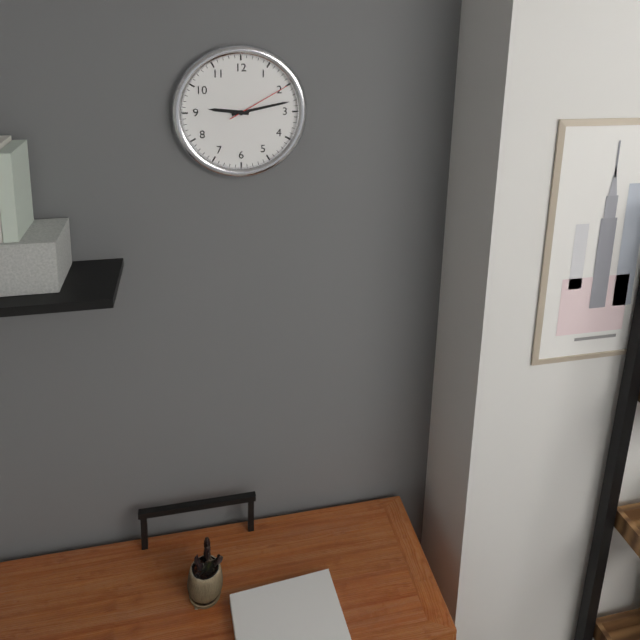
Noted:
**9:13:10**
